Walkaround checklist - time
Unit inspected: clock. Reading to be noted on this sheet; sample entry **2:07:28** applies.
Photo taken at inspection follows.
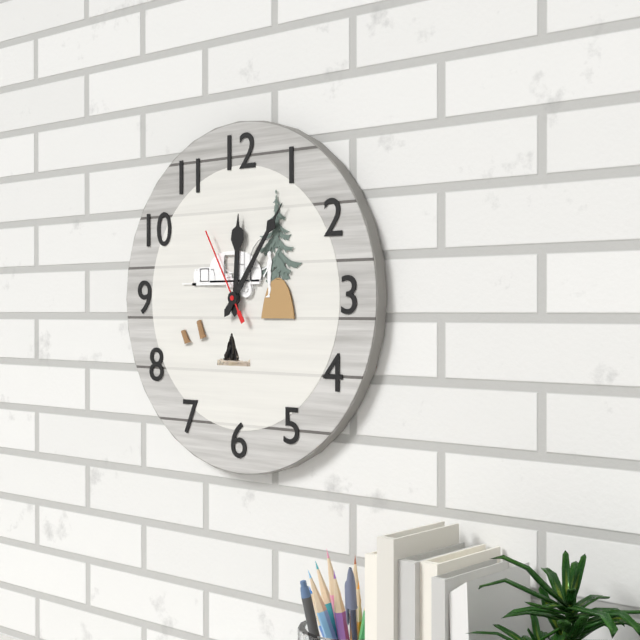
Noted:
**12:06:55**
